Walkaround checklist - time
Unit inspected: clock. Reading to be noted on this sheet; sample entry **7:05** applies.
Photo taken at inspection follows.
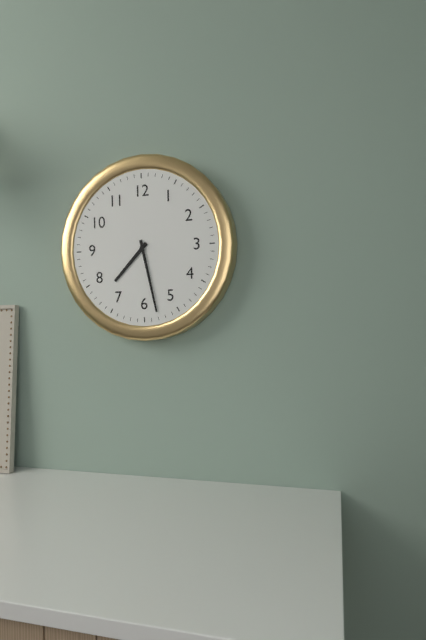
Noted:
**7:28**
